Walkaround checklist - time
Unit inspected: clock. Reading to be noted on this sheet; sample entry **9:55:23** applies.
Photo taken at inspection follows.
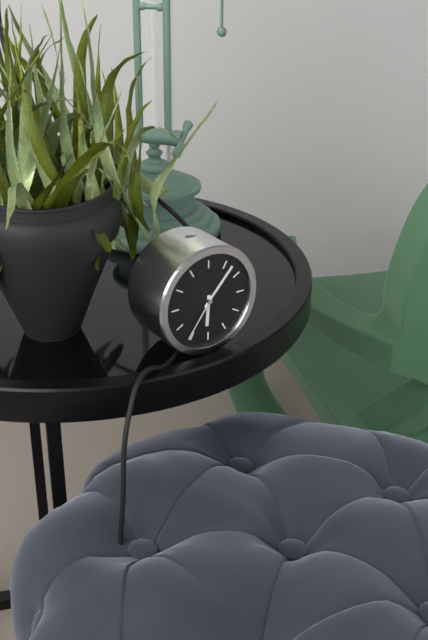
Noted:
**6:07:36**
